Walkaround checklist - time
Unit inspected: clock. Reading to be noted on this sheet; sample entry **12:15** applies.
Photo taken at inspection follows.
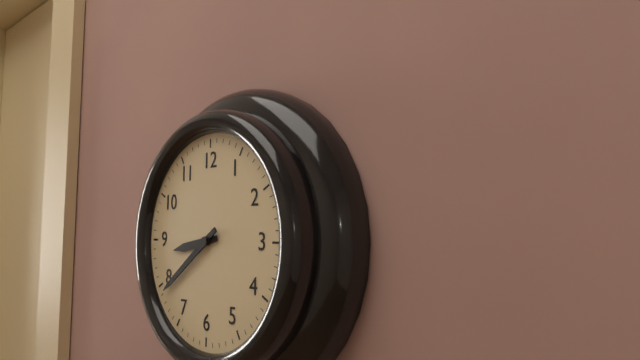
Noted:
**8:39**
